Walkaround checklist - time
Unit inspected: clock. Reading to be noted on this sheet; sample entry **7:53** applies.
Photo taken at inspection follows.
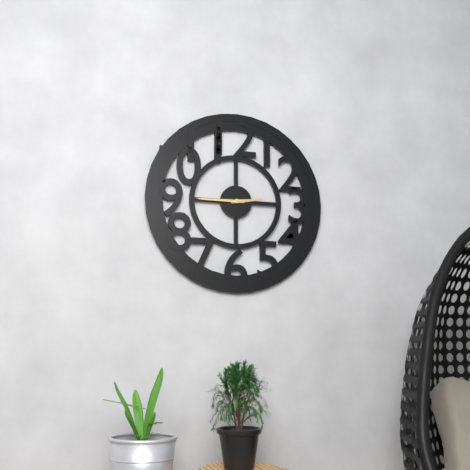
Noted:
**2:45**
